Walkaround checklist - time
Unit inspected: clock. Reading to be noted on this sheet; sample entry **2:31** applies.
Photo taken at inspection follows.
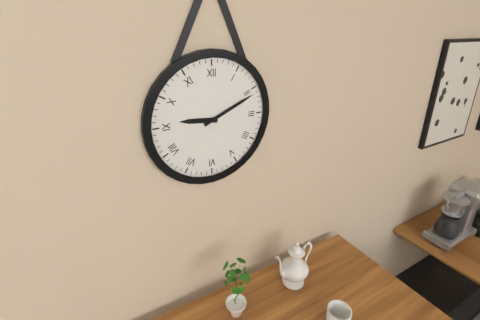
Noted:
**9:11**
